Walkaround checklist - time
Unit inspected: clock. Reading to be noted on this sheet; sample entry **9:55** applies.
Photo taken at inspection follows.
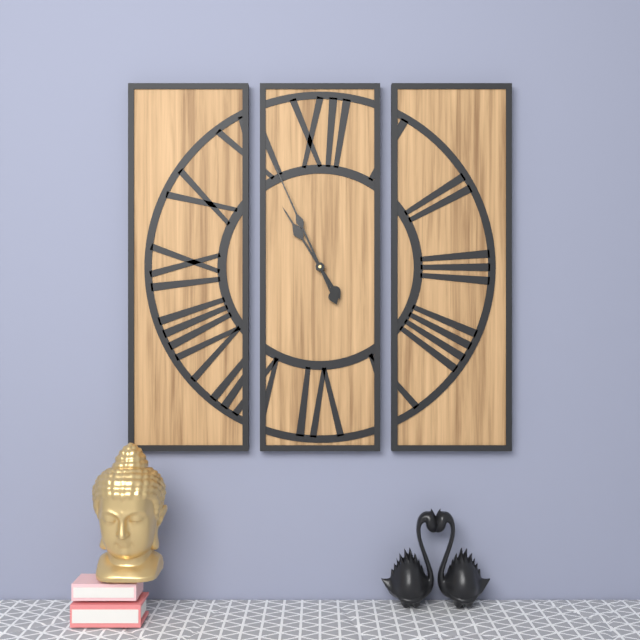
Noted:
**10:56**
